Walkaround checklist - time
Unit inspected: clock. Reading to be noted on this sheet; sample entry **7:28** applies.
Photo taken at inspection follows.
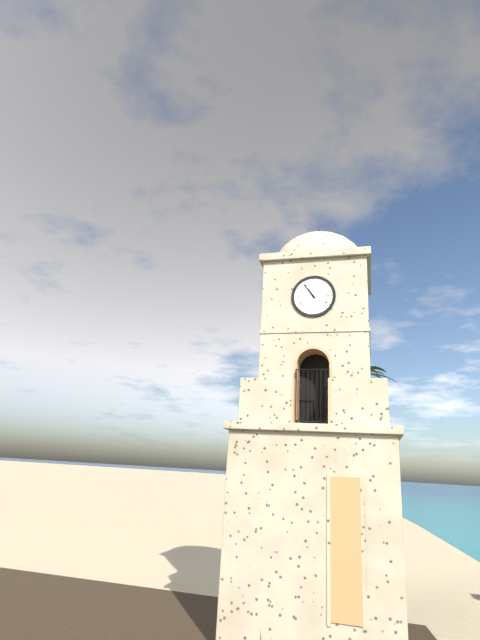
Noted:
**10:54**
